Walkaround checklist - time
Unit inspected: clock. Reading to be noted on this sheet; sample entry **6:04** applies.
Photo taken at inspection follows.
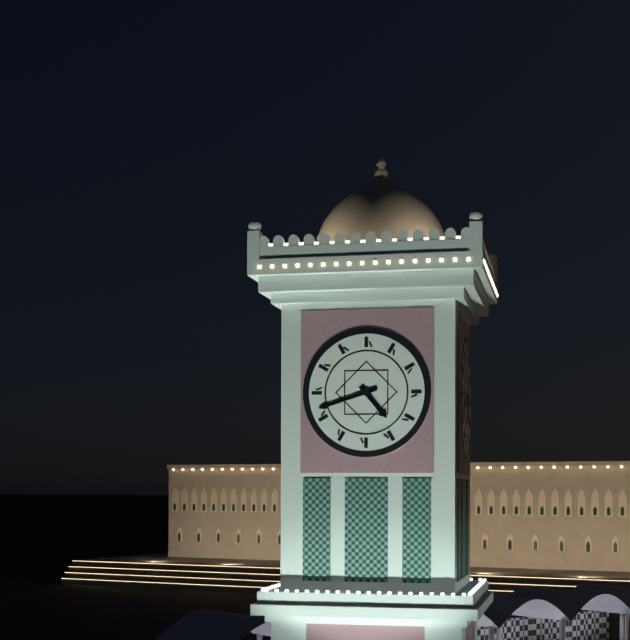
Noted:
**4:42**
